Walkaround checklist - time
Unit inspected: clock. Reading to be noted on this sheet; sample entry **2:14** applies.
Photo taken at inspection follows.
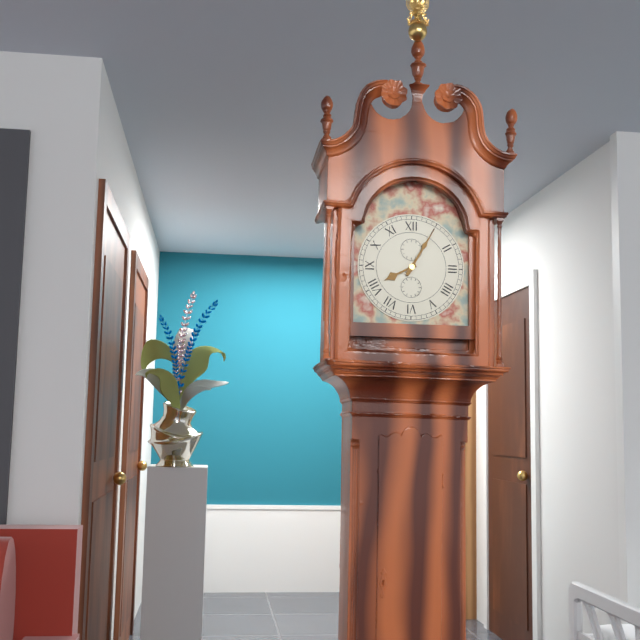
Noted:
**8:05**
